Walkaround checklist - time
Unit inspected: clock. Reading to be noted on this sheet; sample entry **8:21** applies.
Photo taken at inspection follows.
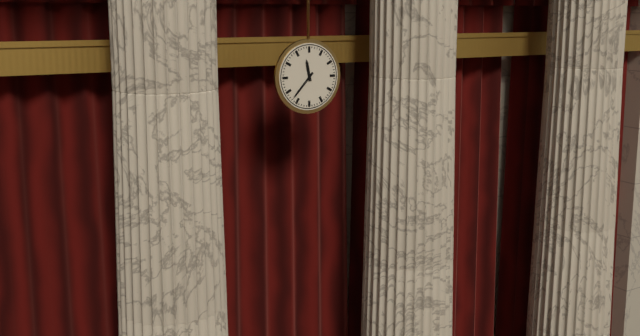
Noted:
**11:37**
